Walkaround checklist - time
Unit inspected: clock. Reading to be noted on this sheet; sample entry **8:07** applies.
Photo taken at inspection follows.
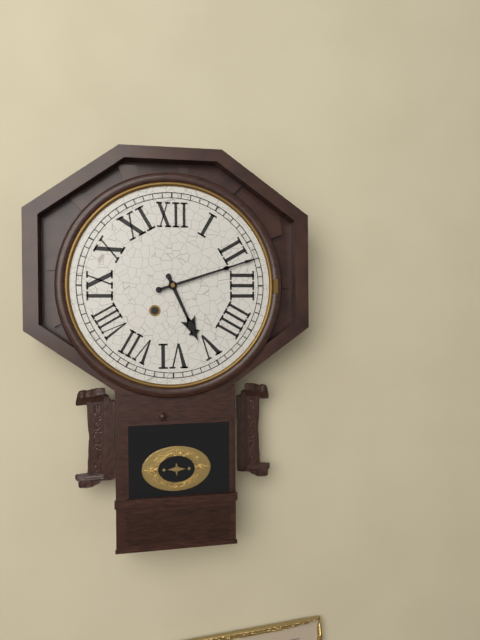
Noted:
**5:12**
